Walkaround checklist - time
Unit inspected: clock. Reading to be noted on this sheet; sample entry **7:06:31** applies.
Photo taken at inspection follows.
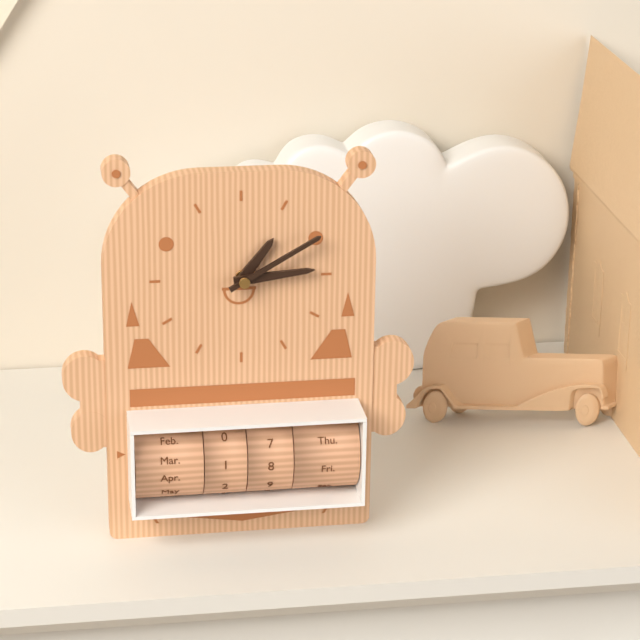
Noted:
**1:14:10**
